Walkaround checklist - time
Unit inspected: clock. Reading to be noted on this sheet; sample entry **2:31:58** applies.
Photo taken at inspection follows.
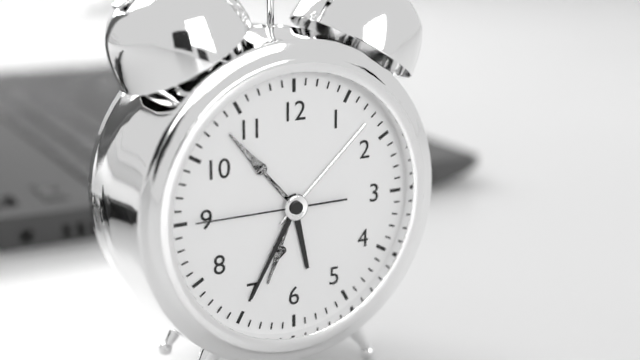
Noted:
**5:35:45**
